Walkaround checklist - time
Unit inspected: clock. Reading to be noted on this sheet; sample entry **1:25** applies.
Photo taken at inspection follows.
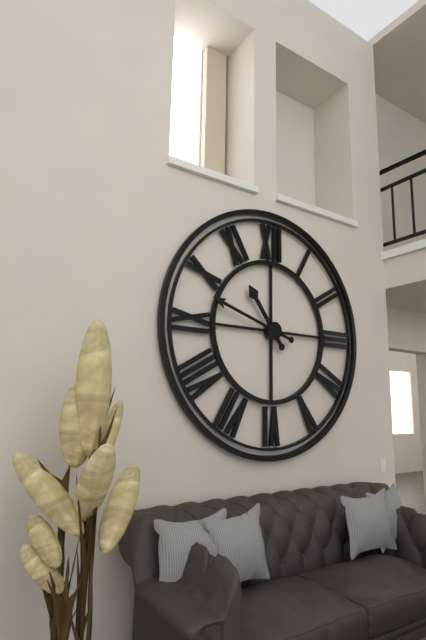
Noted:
**10:48**
